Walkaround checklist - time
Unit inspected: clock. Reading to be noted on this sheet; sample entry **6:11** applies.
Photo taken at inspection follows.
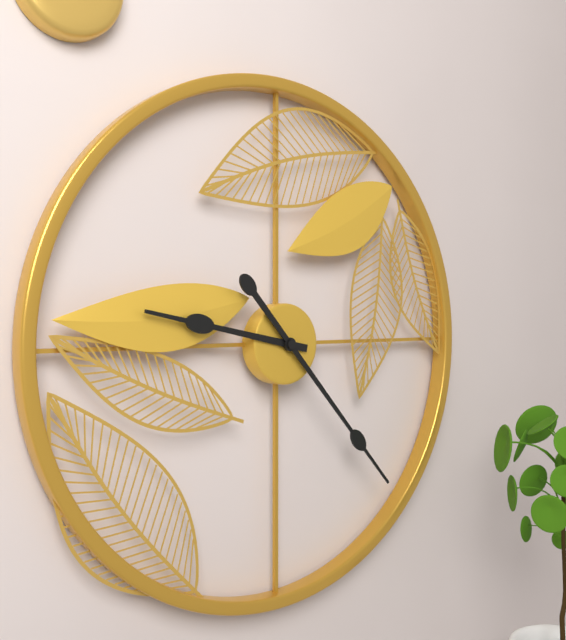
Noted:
**9:23**
